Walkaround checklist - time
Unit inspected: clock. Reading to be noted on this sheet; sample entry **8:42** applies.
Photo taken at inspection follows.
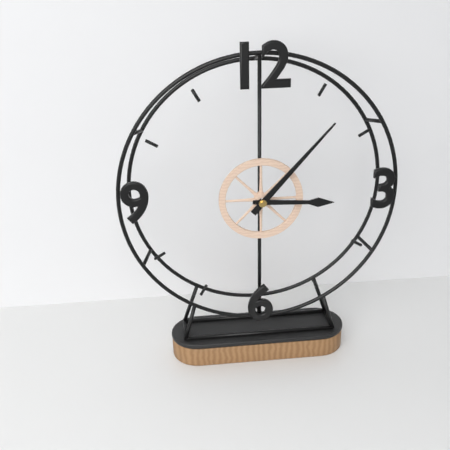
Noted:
**3:07**
